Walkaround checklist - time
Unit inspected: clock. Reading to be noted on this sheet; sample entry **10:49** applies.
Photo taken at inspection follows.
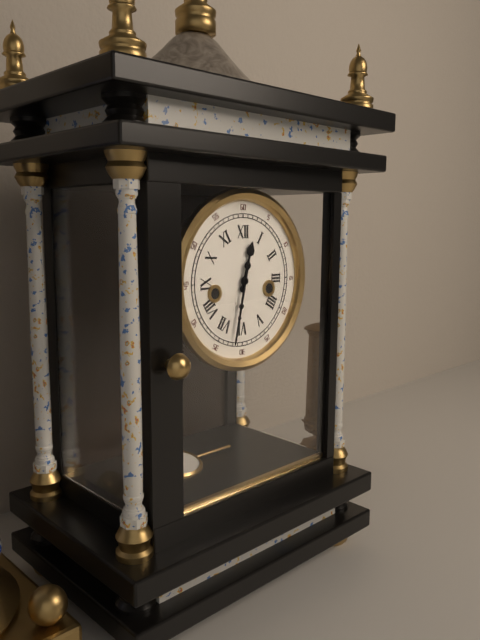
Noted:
**12:32**
